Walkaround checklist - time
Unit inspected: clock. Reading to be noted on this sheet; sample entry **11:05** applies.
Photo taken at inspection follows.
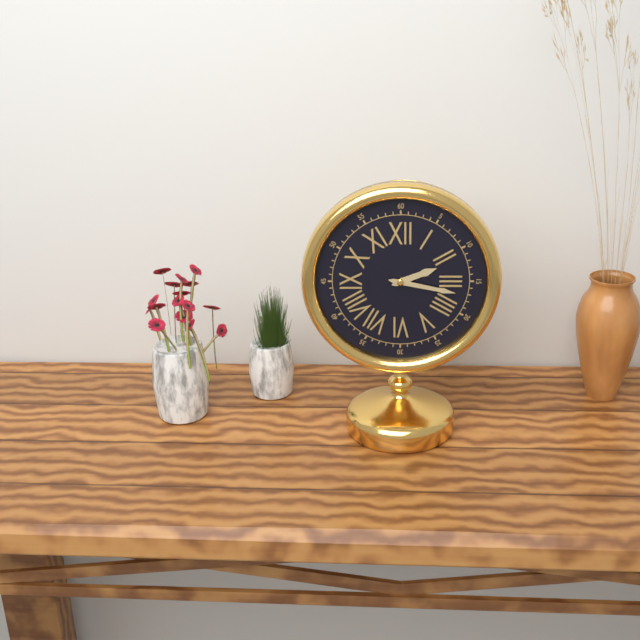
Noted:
**2:17**
